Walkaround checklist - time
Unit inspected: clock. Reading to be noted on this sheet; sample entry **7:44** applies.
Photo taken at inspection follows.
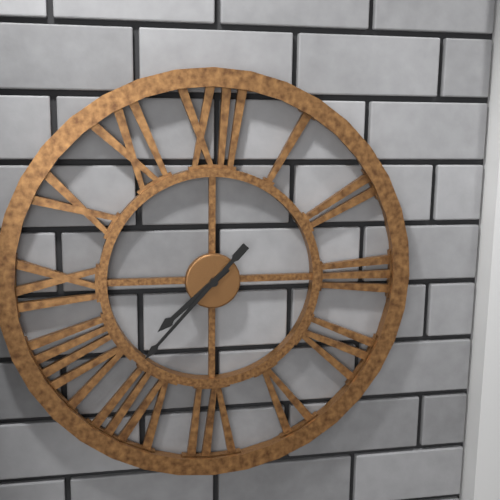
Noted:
**7:37**
